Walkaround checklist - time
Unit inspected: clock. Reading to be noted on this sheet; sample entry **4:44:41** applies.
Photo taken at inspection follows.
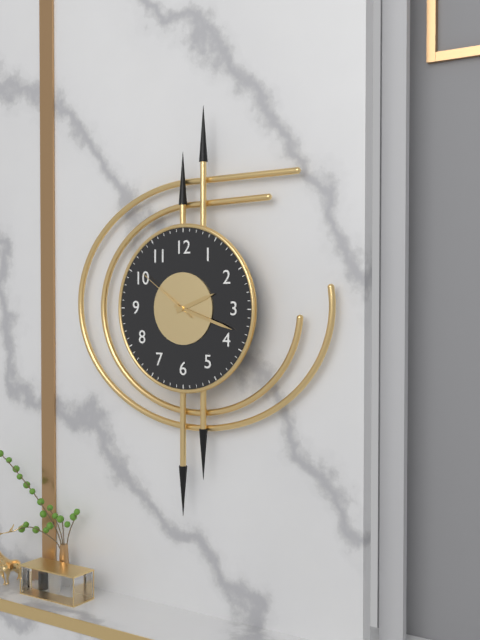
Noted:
**2:18:51**
